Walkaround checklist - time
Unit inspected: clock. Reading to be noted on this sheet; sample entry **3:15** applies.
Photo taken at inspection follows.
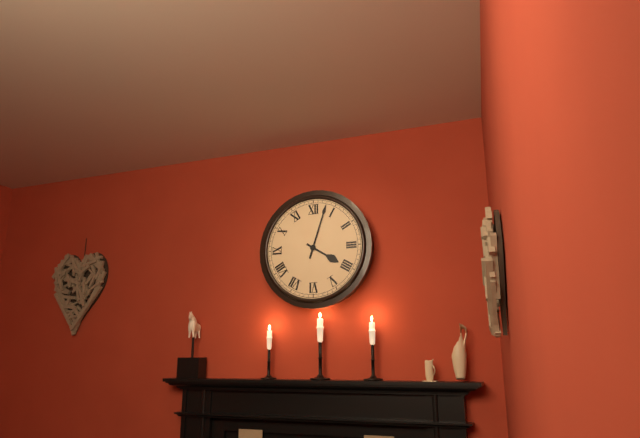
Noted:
**4:03**
